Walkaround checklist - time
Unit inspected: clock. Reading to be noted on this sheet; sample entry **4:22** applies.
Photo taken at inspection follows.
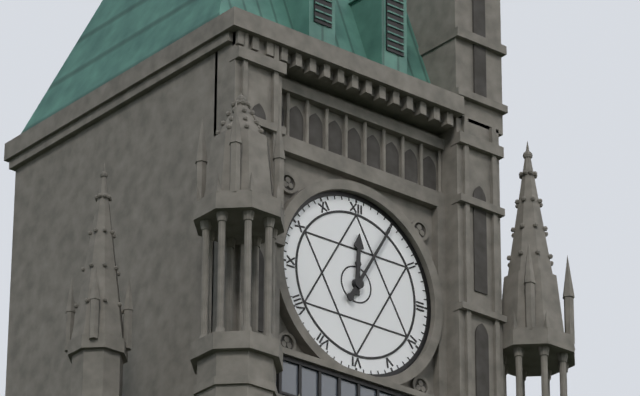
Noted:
**12:05**
